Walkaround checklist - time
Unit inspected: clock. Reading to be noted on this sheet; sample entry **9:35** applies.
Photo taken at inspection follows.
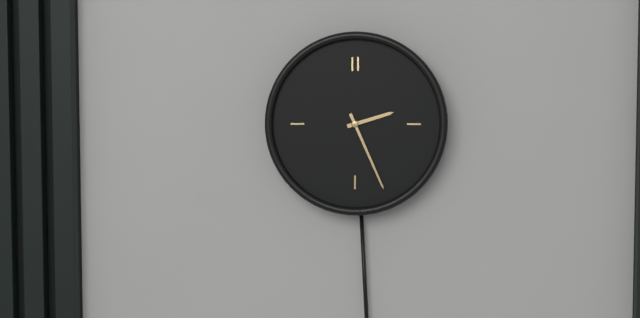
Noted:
**2:26**
